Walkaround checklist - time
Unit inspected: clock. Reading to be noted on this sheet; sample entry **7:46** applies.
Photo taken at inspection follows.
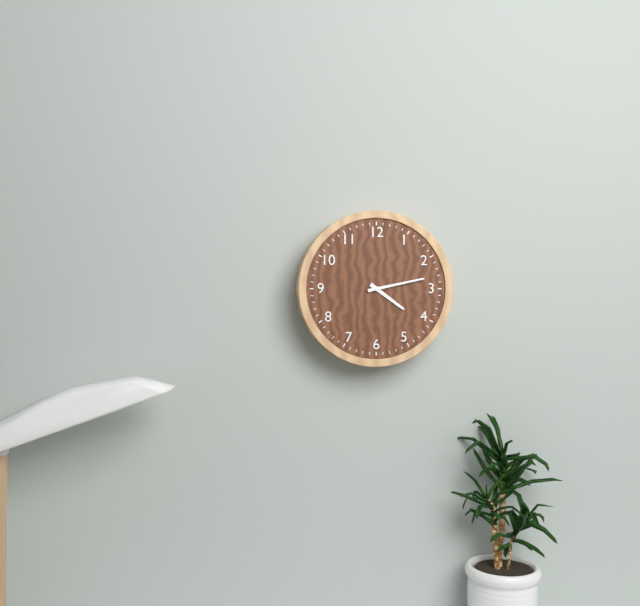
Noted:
**4:13**
